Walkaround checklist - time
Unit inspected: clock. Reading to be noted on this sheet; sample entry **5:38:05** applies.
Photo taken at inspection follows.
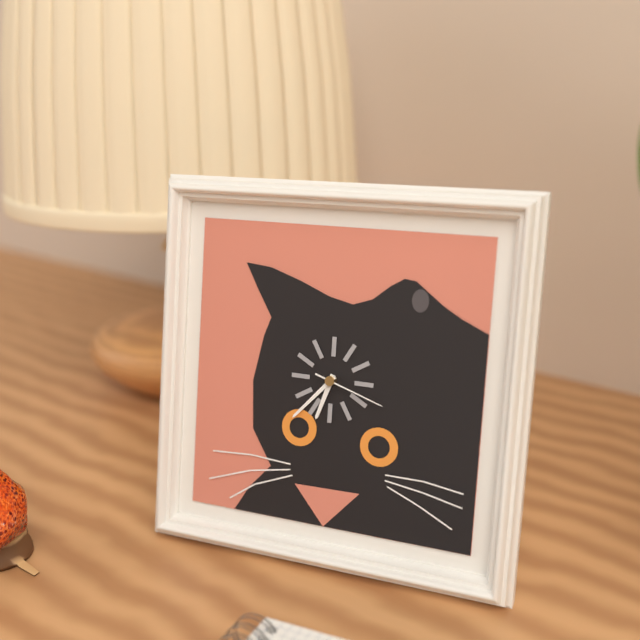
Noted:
**6:37:18**
